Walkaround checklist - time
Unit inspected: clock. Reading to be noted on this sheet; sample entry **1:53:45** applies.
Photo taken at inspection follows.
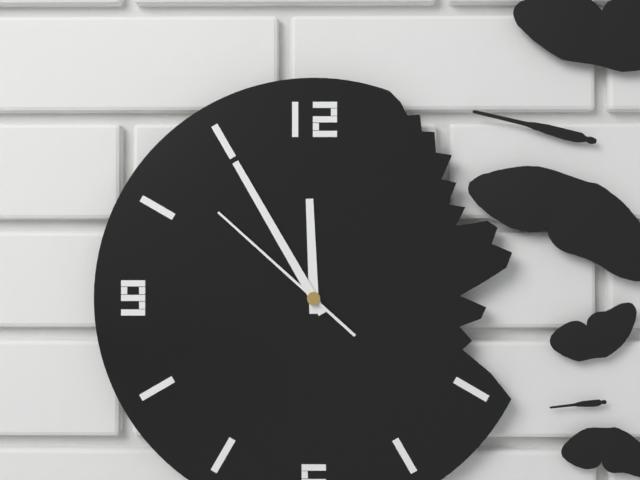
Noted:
**11:55:52**
